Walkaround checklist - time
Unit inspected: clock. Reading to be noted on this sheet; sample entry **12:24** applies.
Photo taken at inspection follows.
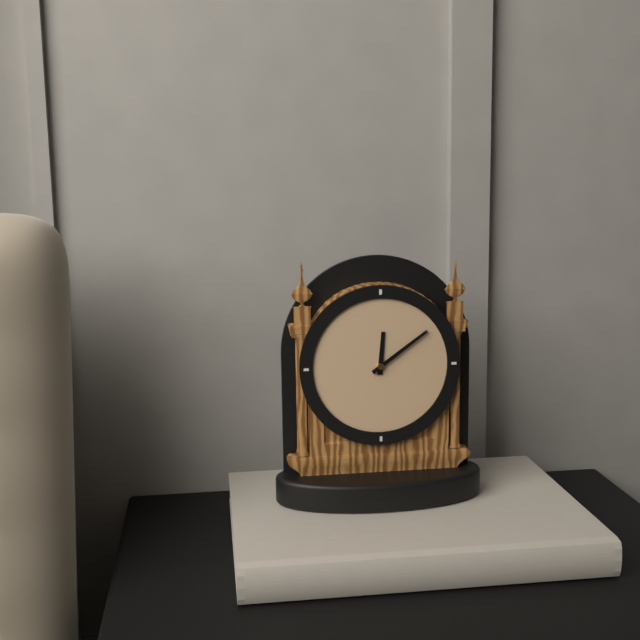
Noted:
**12:09**
